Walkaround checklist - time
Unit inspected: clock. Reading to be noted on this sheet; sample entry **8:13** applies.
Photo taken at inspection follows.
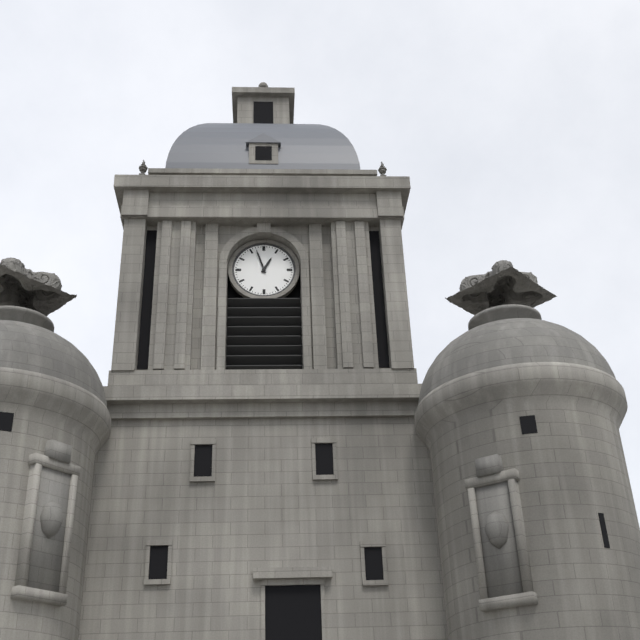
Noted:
**12:57**
